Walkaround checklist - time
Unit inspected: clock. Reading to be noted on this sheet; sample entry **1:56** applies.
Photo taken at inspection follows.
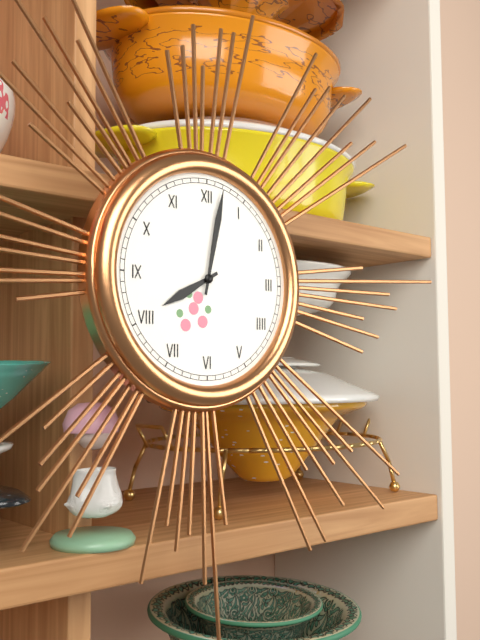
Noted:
**8:02**
